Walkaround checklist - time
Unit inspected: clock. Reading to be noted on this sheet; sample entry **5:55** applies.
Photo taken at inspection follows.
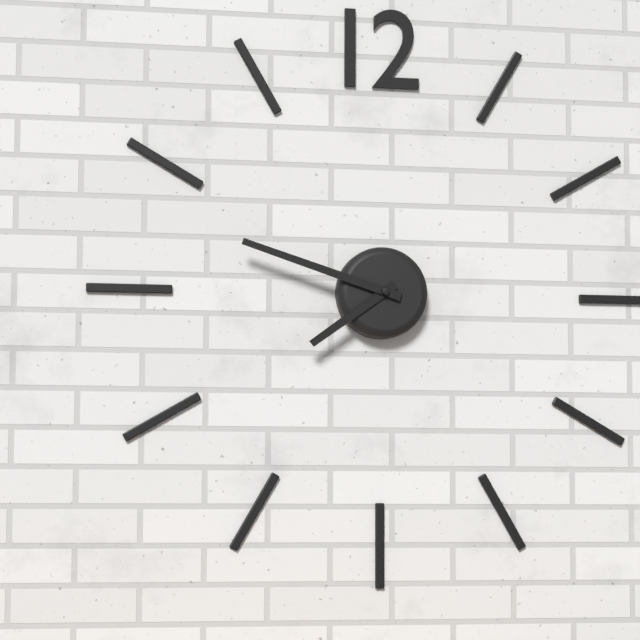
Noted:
**7:48**
